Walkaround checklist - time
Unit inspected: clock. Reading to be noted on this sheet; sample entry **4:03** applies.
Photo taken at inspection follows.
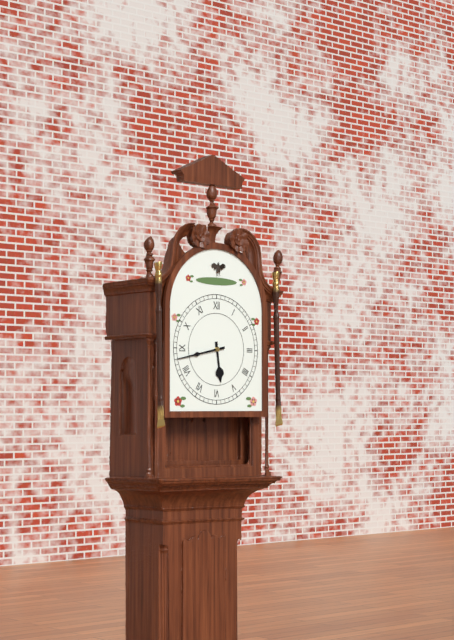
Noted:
**5:43**
